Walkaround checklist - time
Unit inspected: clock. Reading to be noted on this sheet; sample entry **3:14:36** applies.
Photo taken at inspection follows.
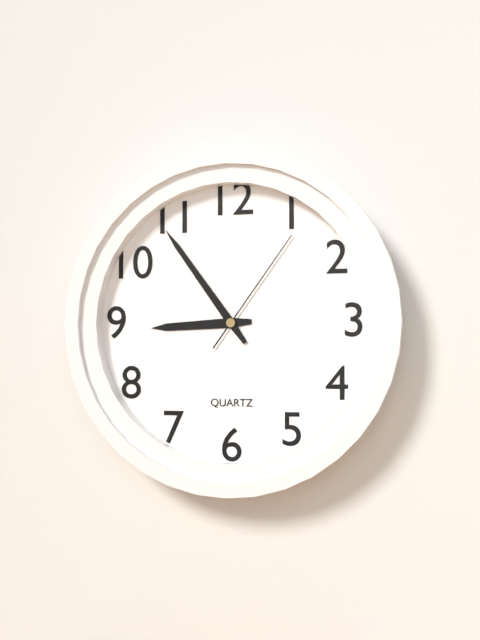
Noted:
**8:54:06**
